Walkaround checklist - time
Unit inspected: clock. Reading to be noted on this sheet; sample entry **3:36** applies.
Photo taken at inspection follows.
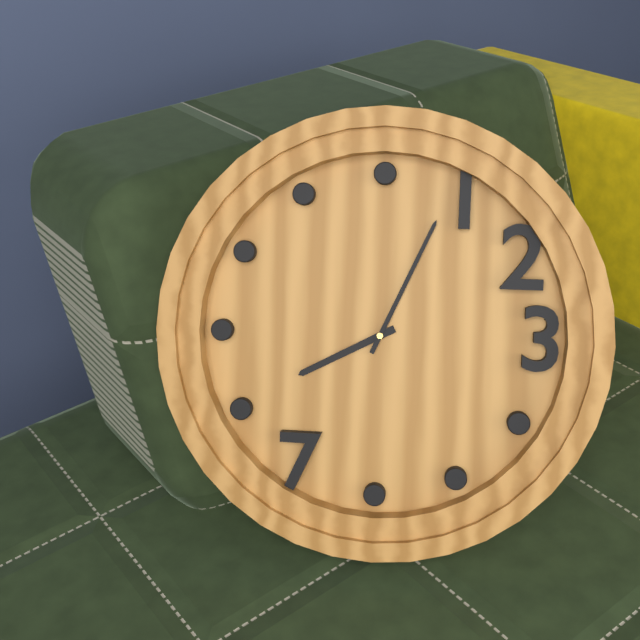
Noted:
**8:04**
